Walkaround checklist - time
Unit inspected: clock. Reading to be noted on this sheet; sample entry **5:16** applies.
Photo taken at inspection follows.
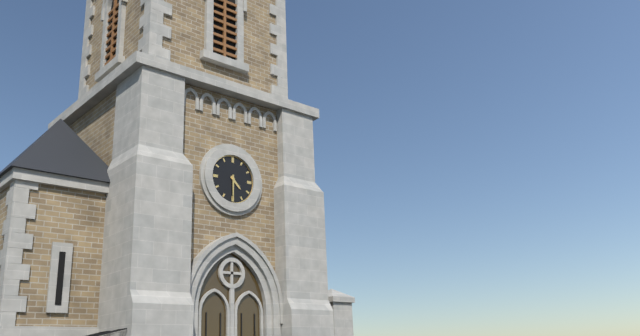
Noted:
**4:30**
